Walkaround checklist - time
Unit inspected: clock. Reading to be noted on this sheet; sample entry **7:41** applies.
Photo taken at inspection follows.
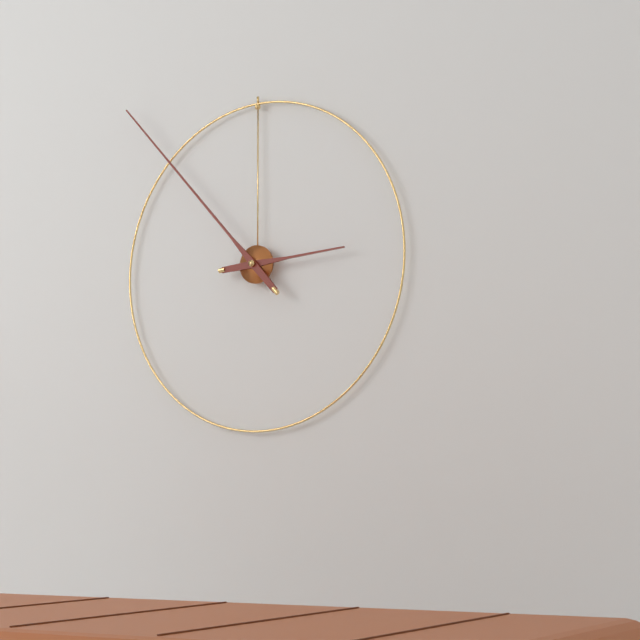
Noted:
**2:53**
